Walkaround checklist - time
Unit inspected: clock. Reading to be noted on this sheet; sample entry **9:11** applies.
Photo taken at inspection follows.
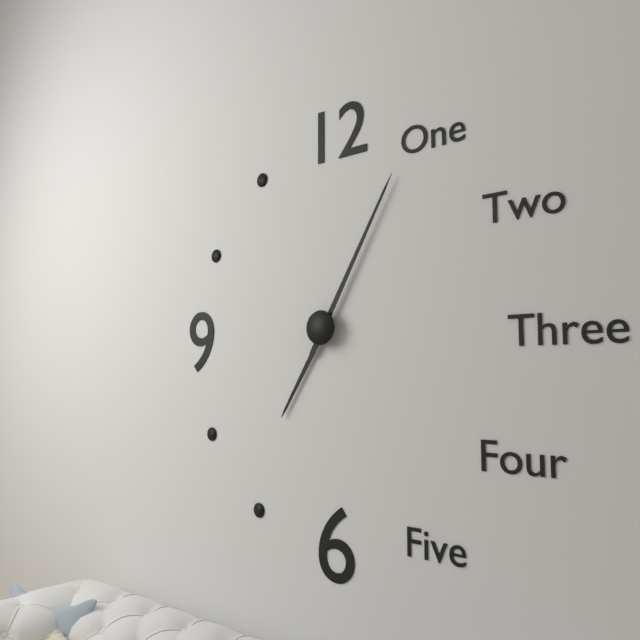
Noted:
**7:05**
